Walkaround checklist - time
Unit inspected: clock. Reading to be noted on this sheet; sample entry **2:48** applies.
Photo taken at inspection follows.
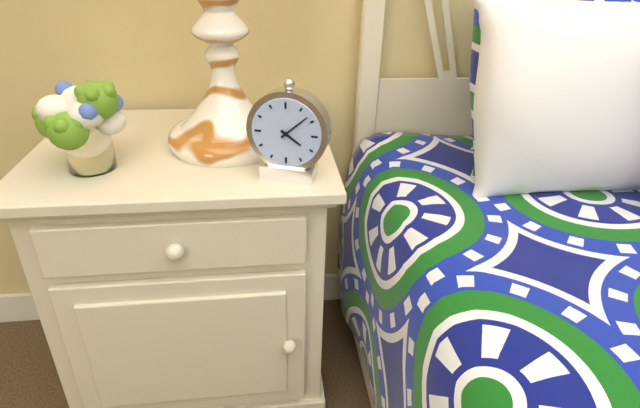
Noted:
**4:08**
